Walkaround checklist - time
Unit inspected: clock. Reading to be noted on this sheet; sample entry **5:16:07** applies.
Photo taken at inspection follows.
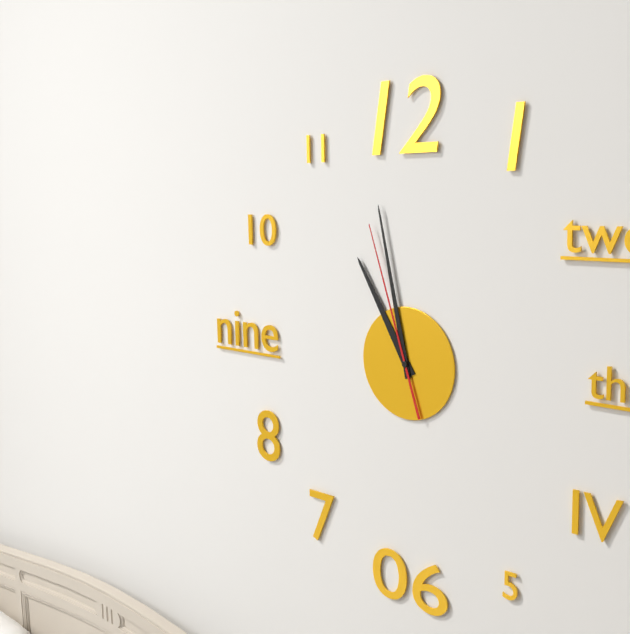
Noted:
**10:58:57**
